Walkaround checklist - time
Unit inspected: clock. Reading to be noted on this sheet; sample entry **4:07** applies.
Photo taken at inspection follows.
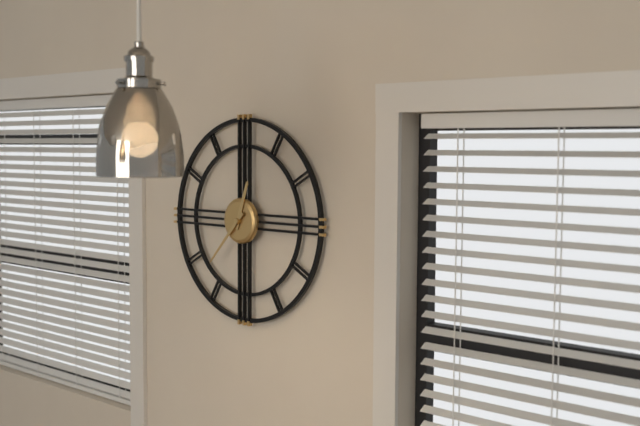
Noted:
**12:37**
